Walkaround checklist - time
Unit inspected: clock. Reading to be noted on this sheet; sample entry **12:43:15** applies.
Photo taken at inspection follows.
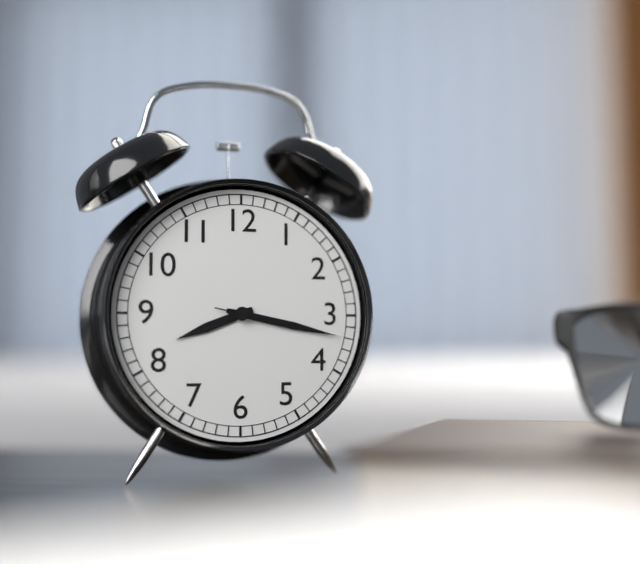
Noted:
**8:17:17**
